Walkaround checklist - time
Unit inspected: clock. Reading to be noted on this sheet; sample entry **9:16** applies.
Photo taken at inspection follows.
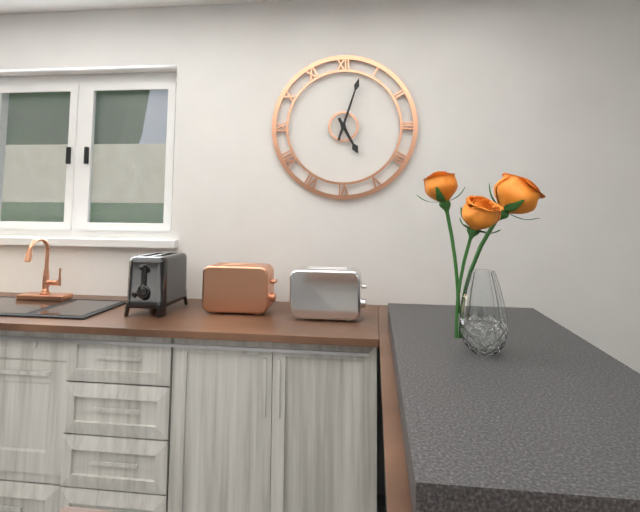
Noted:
**5:03**
